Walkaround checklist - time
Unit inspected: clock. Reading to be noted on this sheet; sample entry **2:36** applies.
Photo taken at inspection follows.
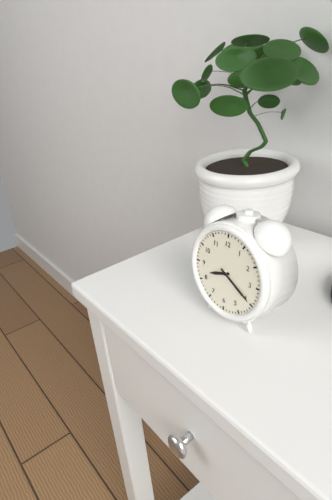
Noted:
**8:20**
